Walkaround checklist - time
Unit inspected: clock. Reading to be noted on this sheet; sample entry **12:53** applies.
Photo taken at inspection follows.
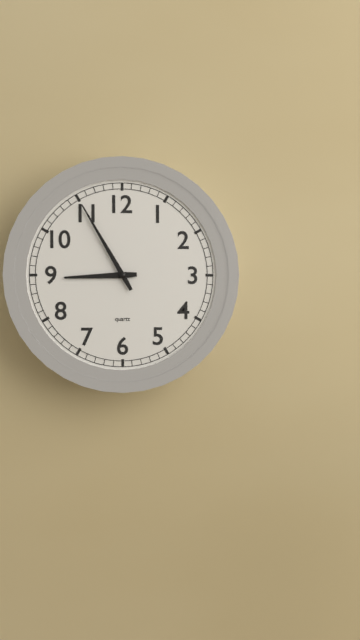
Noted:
**8:55**
